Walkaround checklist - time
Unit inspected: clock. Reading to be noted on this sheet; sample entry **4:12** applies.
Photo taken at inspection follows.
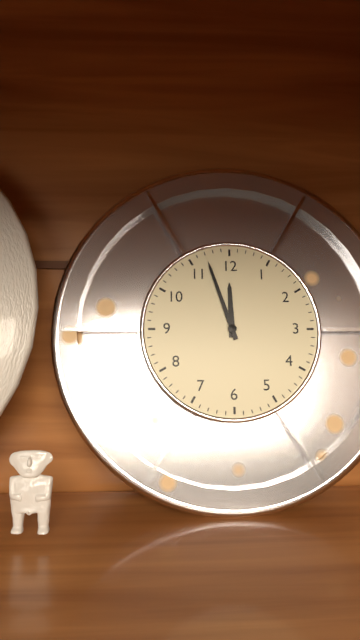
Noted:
**11:57**
